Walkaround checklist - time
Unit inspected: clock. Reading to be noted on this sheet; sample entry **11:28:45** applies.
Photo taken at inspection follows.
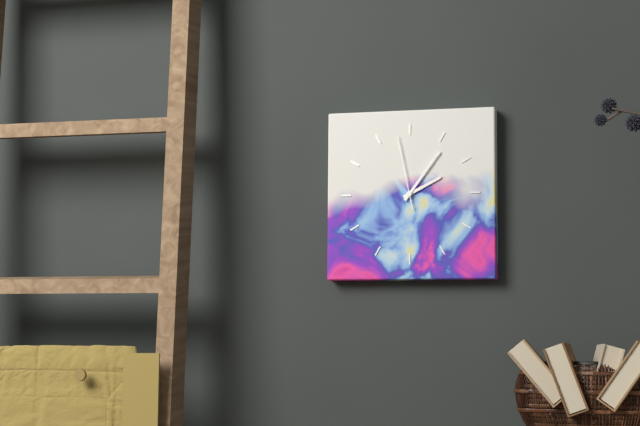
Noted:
**2:06:58**
